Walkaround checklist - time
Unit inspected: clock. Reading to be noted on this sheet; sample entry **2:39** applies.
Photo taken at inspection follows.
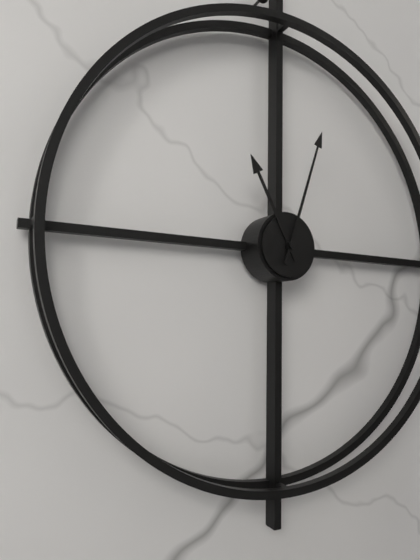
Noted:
**11:03**
